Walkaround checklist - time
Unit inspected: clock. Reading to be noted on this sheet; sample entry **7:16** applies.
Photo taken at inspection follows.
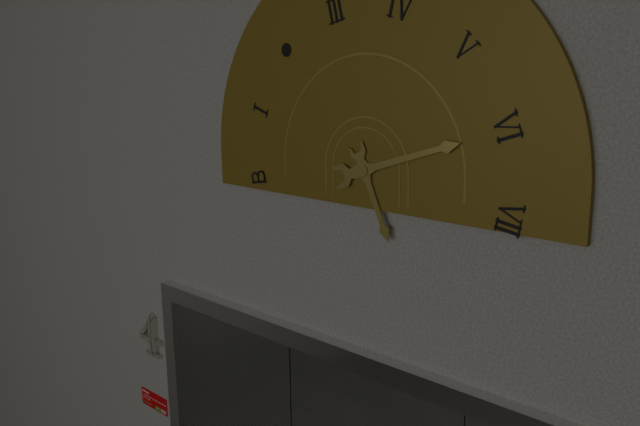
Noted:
**5:12**
